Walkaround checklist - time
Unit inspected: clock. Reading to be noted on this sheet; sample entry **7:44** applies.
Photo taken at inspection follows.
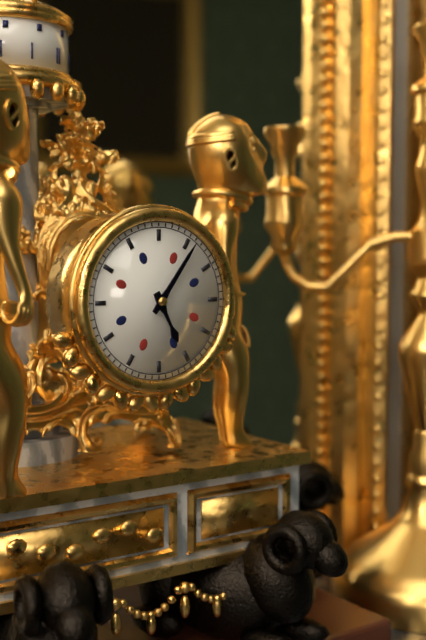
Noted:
**5:06**
